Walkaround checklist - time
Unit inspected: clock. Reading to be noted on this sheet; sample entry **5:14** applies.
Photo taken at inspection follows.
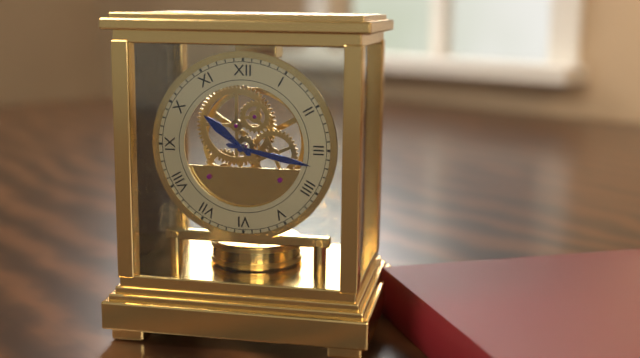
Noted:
**10:17**
